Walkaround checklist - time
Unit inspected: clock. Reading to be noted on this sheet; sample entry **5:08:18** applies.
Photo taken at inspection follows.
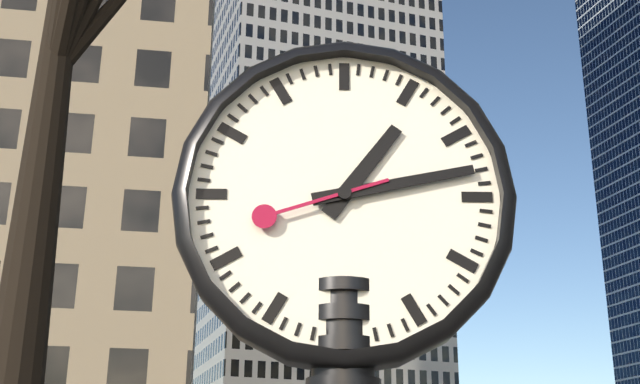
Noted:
**1:13:42**
